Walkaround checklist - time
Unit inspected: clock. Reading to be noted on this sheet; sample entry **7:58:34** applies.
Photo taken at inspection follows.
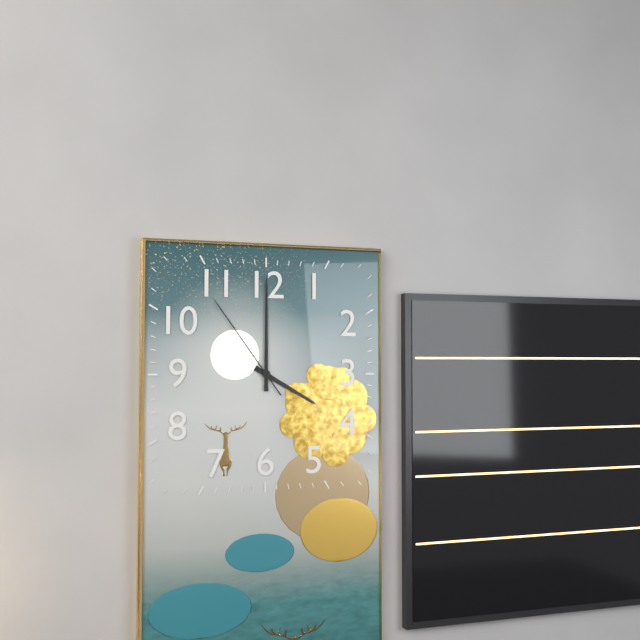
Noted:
**4:00:54**
